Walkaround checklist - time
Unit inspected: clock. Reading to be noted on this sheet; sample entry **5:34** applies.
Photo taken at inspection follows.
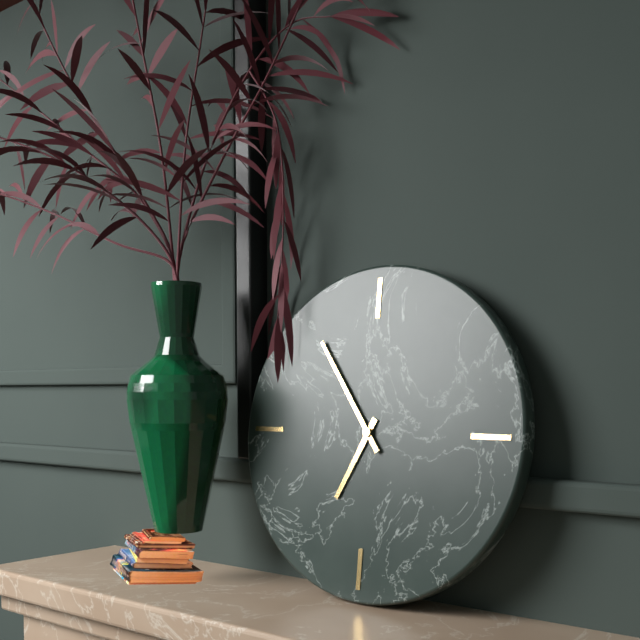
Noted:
**6:54**
